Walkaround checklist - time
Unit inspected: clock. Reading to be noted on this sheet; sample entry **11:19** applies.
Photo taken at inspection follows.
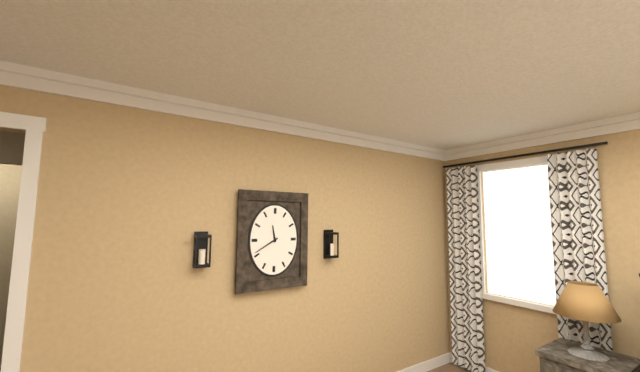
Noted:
**11:40**
